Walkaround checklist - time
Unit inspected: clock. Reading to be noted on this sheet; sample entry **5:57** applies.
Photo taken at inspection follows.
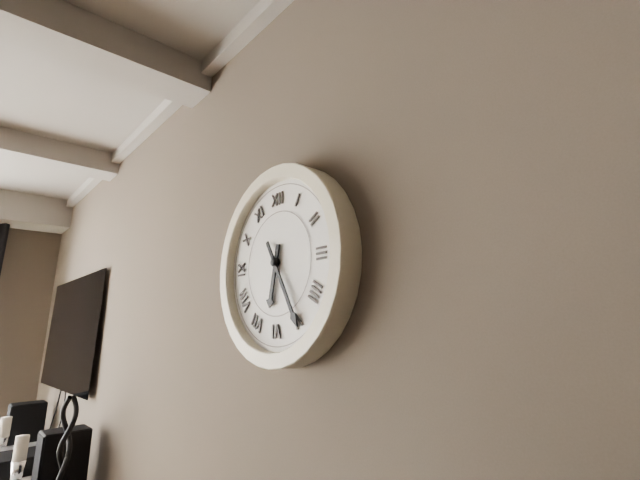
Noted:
**6:25**
